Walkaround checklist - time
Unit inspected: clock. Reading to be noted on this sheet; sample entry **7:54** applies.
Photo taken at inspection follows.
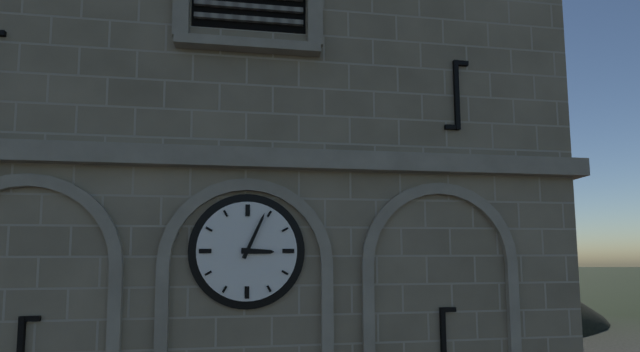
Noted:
**3:04**
